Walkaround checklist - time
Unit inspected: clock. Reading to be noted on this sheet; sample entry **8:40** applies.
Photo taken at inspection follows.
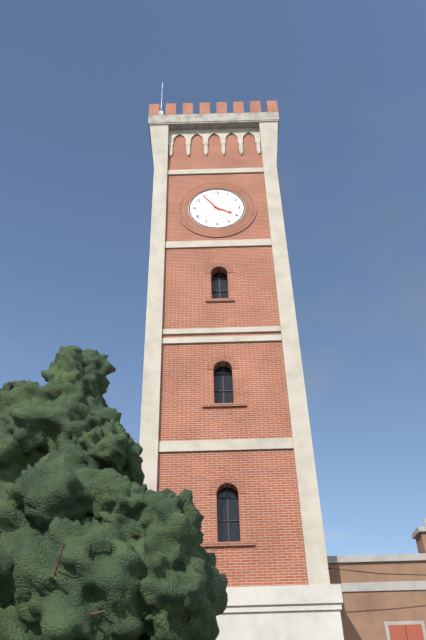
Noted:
**3:54**
